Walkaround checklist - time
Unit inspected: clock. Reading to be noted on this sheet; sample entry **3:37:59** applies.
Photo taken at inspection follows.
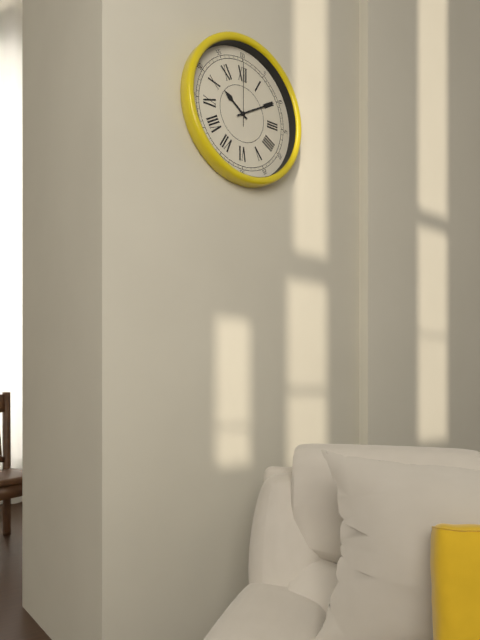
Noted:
**10:10:00**
